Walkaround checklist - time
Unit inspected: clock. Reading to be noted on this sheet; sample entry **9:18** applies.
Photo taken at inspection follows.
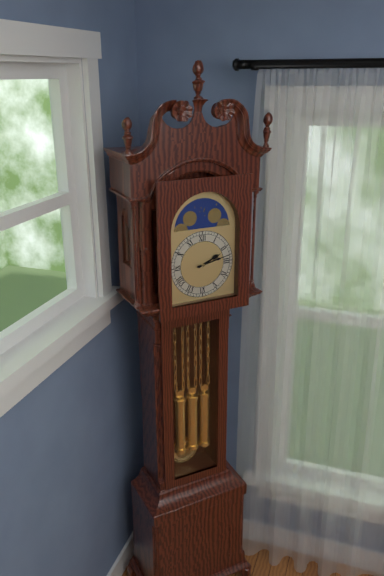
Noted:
**2:13**
